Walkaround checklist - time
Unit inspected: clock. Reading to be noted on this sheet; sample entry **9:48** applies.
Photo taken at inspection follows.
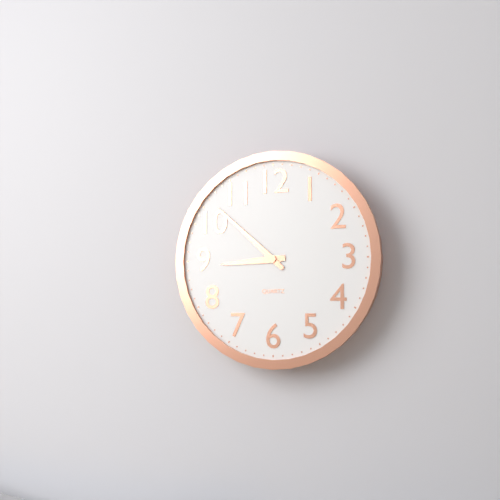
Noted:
**8:52**
